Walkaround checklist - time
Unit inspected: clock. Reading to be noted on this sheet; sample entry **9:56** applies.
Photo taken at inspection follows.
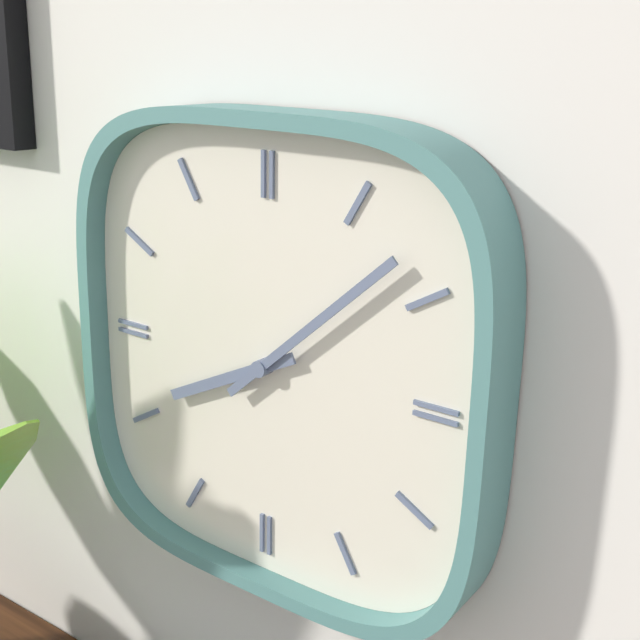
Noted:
**8:08**
